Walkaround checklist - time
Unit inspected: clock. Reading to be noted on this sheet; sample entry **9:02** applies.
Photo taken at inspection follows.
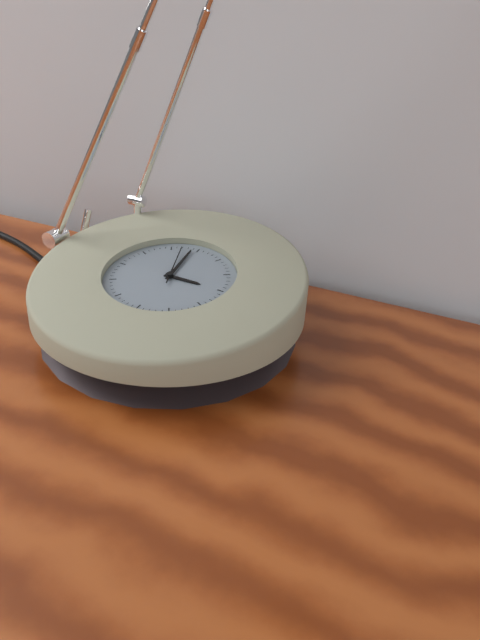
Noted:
**2:59**
